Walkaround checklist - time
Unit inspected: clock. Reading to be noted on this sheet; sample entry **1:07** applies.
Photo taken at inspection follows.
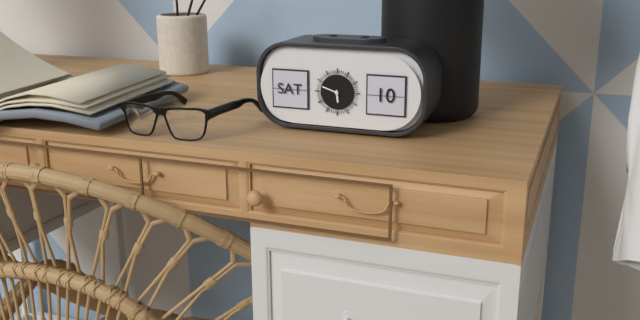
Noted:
**5:48**
